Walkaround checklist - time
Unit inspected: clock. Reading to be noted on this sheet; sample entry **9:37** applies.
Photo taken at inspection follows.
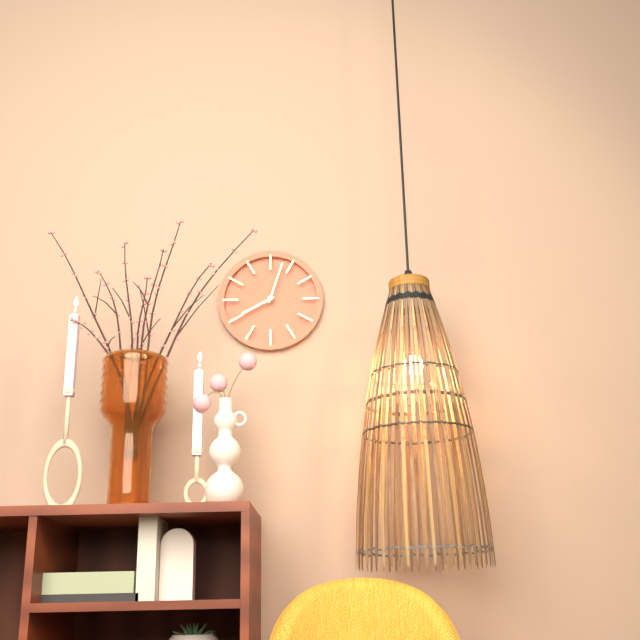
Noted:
**8:03**
